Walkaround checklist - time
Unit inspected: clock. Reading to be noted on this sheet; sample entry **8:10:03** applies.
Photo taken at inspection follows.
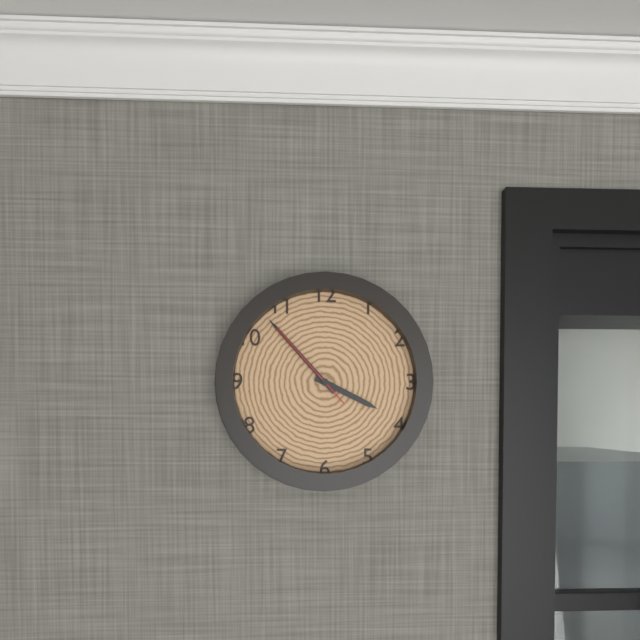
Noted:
**3:53:53**
